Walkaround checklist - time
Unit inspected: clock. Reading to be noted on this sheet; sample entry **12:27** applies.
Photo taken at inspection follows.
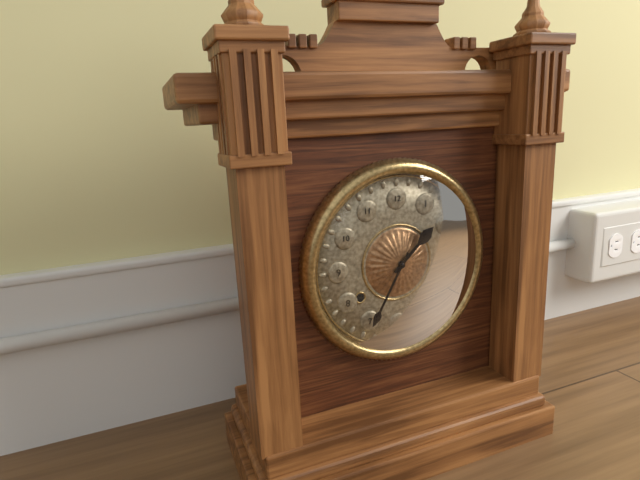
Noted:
**1:35**
